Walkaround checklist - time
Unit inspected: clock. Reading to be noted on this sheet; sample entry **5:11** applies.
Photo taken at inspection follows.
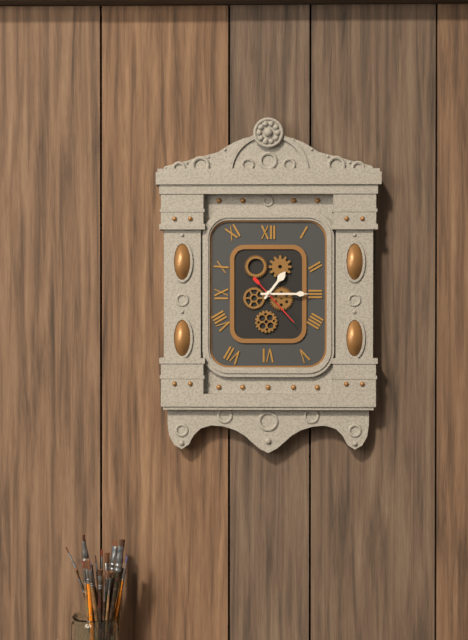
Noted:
**1:15**
